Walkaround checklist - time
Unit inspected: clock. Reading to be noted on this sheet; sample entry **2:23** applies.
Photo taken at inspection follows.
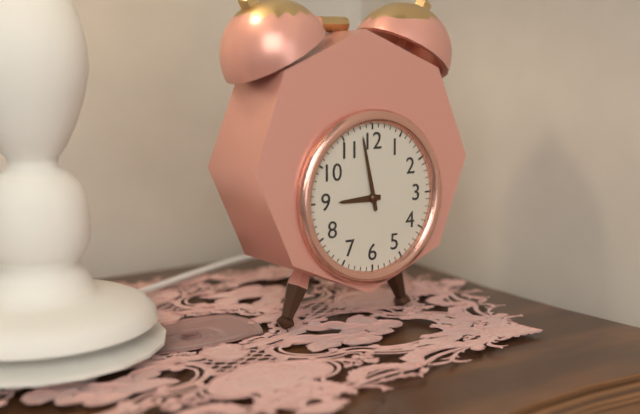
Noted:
**8:58**
